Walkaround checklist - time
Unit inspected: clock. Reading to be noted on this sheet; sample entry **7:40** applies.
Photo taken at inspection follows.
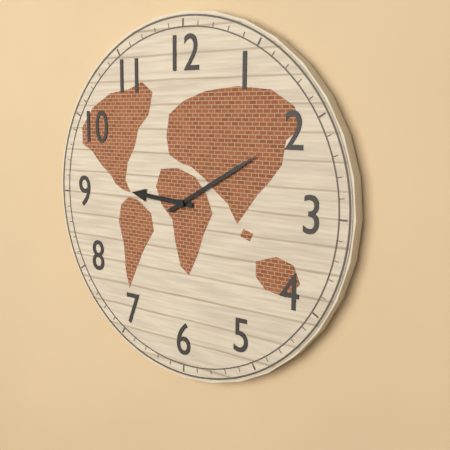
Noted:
**9:10**
